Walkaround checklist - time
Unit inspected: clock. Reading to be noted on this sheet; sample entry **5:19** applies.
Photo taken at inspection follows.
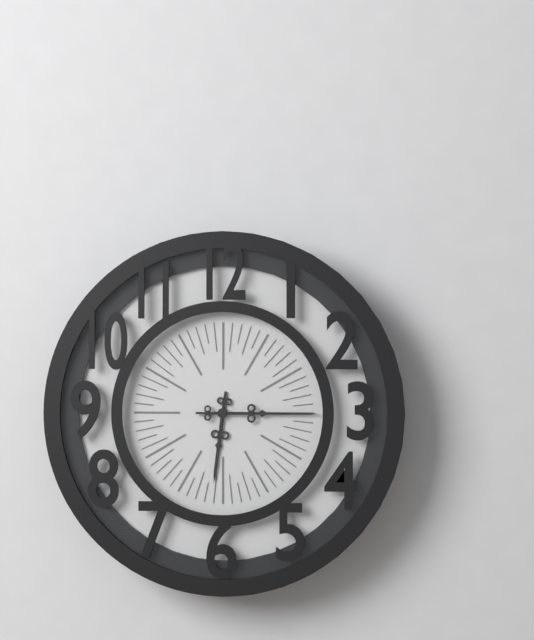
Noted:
**6:15**
